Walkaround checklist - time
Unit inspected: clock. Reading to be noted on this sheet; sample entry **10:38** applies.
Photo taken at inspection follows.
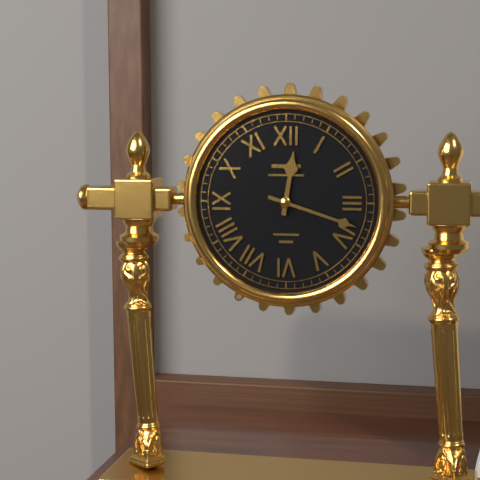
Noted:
**12:18**
